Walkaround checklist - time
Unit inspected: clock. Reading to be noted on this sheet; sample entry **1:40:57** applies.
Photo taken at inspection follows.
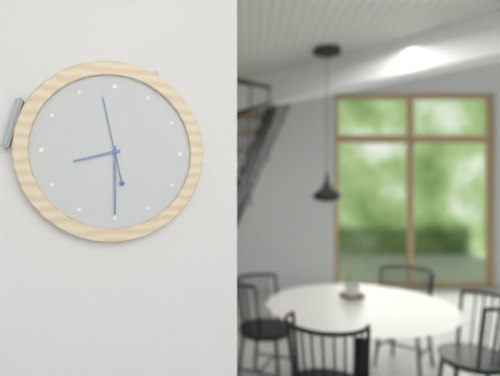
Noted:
**8:30:58**
